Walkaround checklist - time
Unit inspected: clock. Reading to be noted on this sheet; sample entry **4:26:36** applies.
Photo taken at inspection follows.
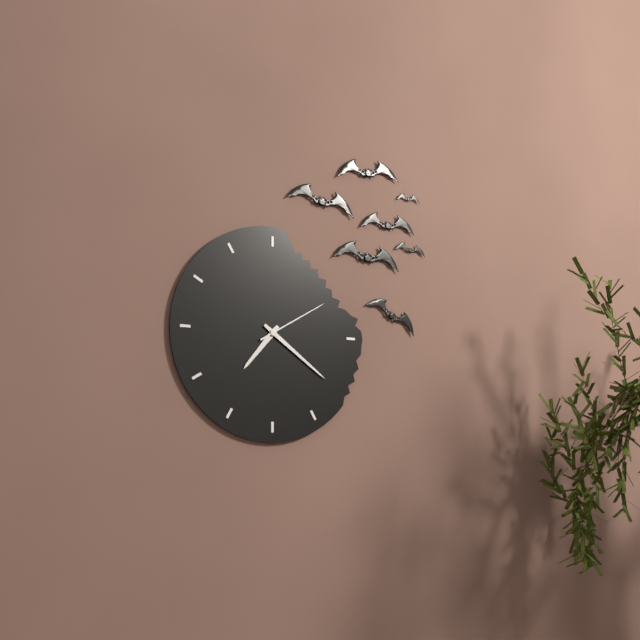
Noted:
**7:21:10**
